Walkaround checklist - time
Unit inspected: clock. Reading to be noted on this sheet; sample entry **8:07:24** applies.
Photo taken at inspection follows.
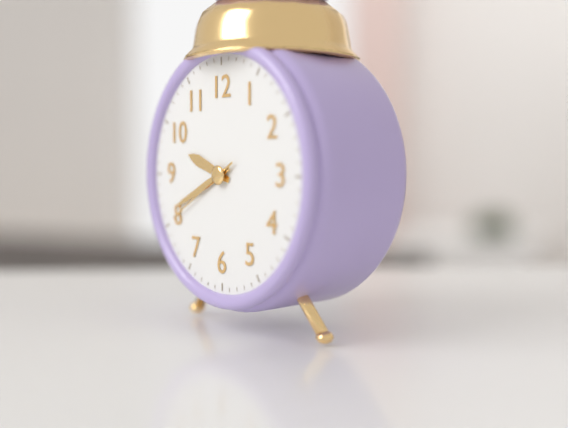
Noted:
**9:41:40**
